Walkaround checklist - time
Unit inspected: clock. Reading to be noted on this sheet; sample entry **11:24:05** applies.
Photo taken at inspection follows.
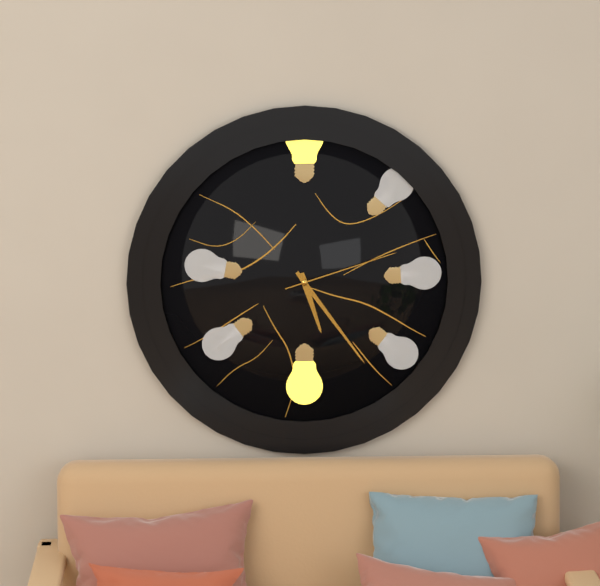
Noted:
**5:24:12**
